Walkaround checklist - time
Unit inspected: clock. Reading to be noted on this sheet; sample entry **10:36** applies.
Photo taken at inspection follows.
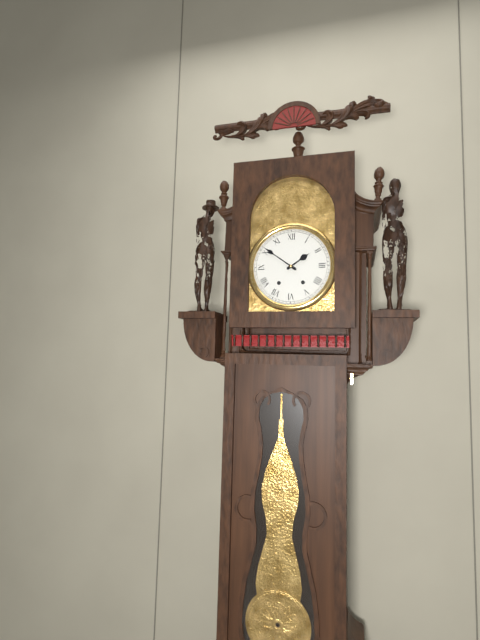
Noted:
**1:51**
